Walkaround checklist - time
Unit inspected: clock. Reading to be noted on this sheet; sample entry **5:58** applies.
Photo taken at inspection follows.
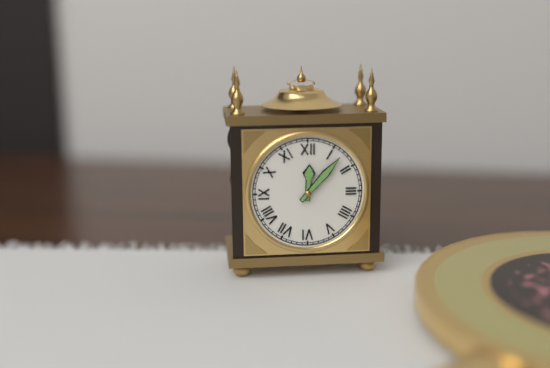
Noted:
**12:07**
